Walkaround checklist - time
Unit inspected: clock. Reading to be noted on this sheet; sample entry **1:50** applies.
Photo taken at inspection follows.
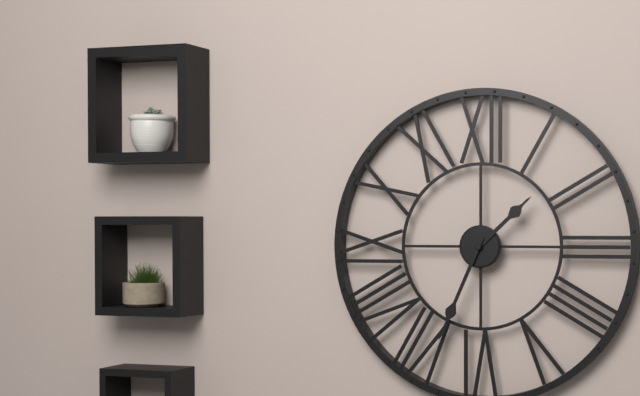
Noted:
**1:34**
